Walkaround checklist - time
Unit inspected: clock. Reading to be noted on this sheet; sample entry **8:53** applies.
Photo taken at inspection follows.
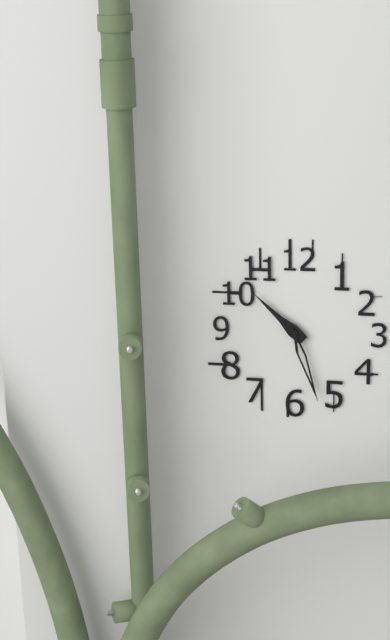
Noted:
**10:27**
